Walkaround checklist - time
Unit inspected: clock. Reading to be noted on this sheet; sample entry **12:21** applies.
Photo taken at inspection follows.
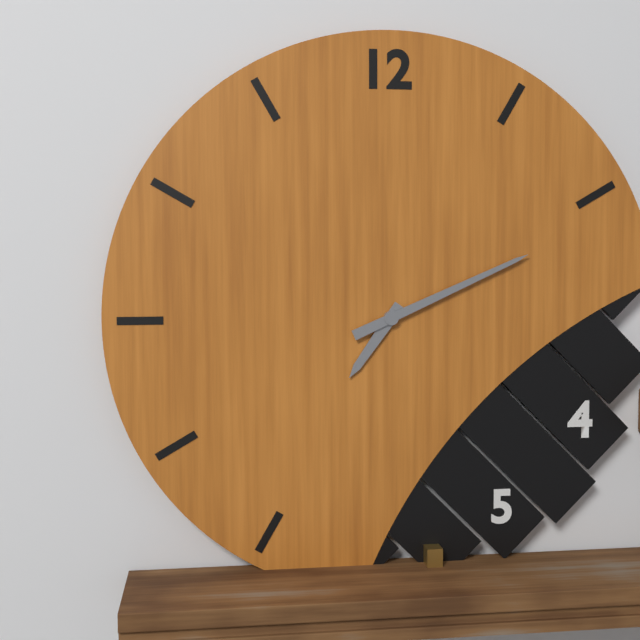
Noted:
**7:11**
